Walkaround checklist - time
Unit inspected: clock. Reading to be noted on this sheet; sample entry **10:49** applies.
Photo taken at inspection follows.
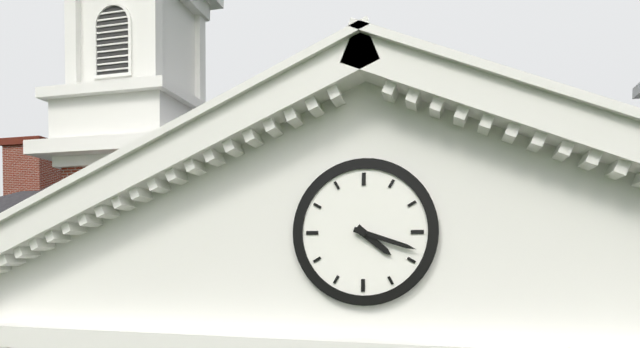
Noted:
**4:18**
